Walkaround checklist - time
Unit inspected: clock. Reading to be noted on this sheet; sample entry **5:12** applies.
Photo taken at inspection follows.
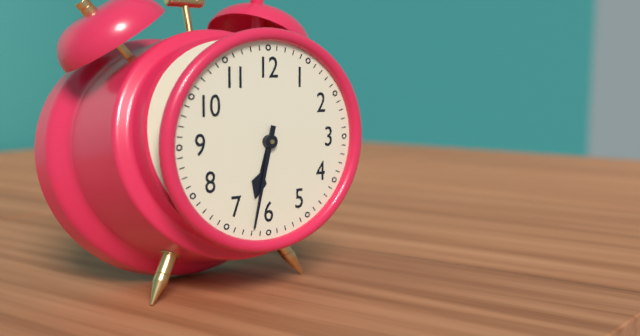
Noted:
**6:32**
